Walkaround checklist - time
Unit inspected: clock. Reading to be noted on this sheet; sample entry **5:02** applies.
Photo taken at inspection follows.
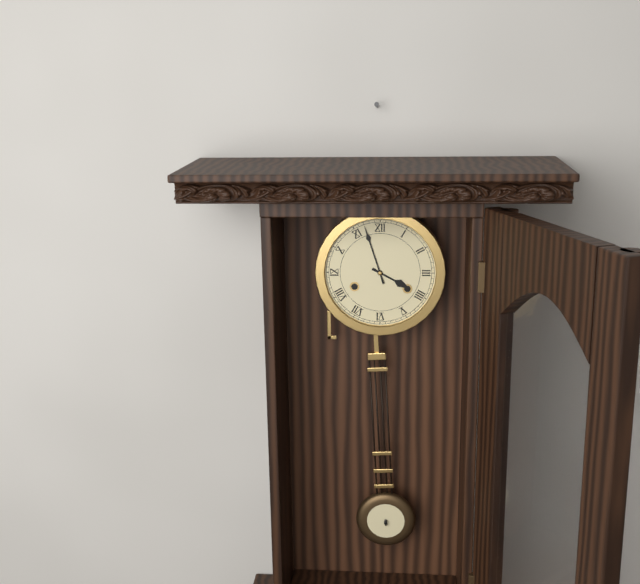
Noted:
**3:57**
